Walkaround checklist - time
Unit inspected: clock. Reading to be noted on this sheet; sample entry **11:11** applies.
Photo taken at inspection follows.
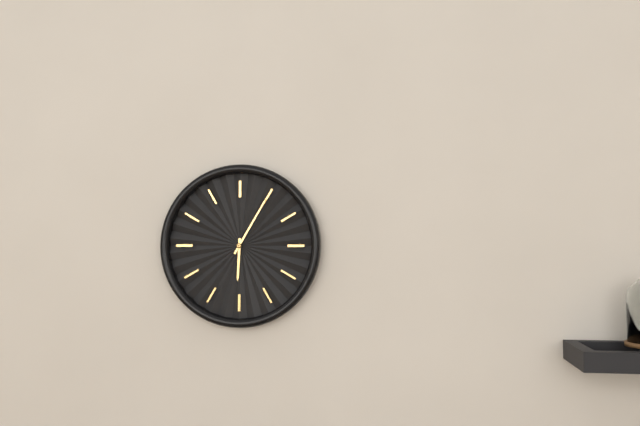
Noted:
**6:05**
